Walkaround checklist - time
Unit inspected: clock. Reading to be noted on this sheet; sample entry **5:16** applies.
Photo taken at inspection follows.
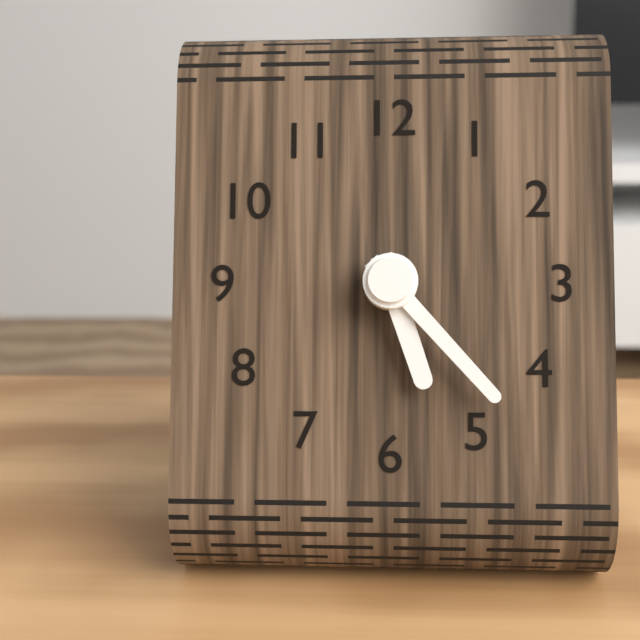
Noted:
**5:23**
